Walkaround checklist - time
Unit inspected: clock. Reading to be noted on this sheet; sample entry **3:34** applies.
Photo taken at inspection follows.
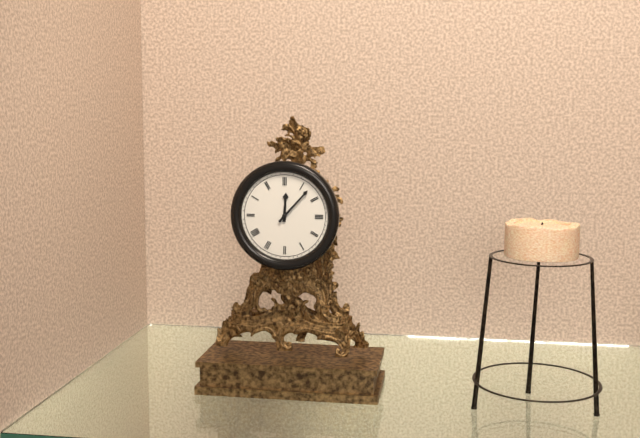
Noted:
**12:07**
